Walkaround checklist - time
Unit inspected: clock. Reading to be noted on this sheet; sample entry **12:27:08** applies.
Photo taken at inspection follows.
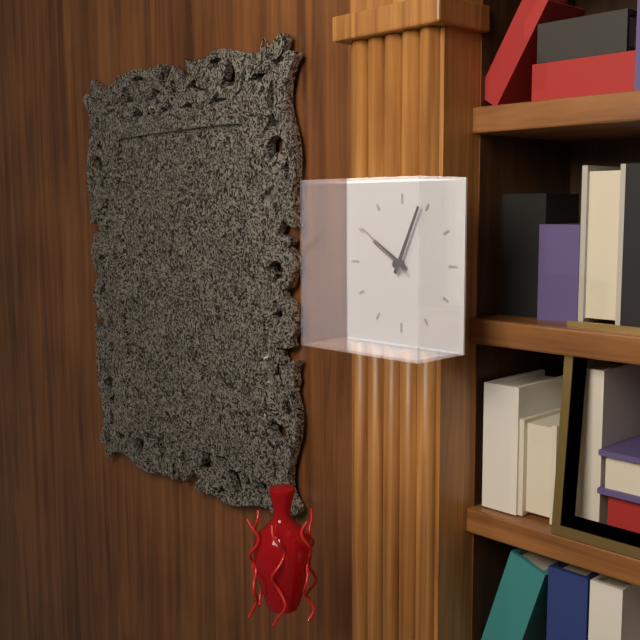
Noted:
**10:04:51**
